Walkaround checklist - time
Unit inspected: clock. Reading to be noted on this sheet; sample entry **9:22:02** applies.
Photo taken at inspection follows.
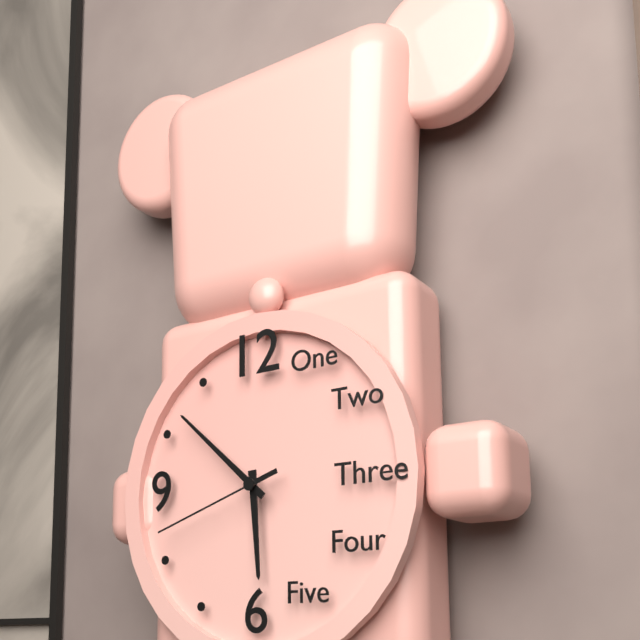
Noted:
**5:52:42**
